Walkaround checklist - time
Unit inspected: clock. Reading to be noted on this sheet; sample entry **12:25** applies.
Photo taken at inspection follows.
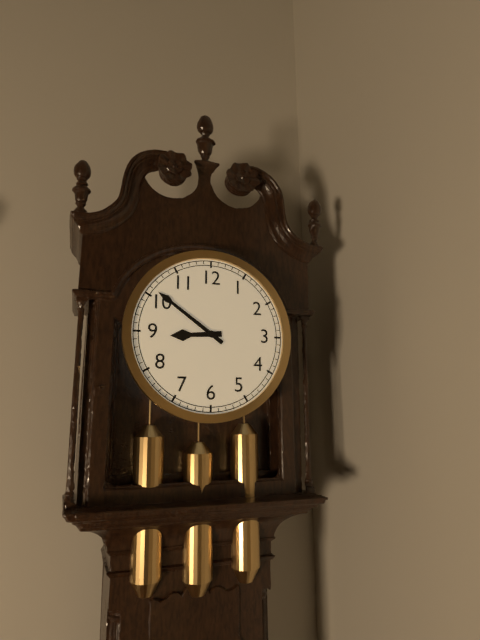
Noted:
**8:51**
